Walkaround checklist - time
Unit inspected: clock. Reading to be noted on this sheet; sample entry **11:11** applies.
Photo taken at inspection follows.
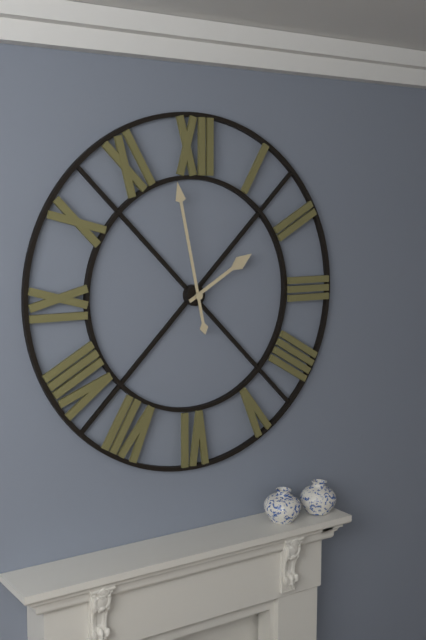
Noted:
**1:58**
